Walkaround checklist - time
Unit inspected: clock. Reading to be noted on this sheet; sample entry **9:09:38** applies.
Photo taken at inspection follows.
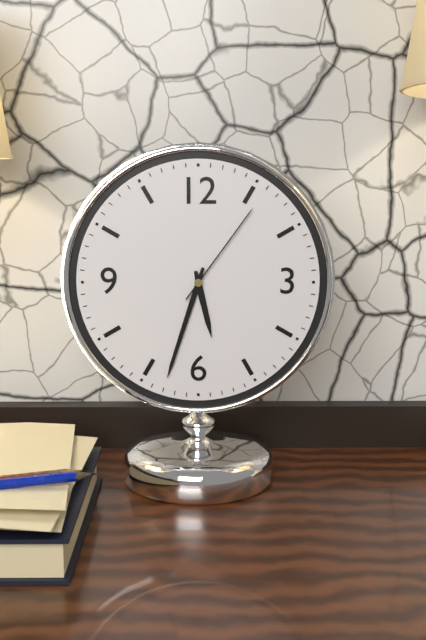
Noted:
**5:33:06**
